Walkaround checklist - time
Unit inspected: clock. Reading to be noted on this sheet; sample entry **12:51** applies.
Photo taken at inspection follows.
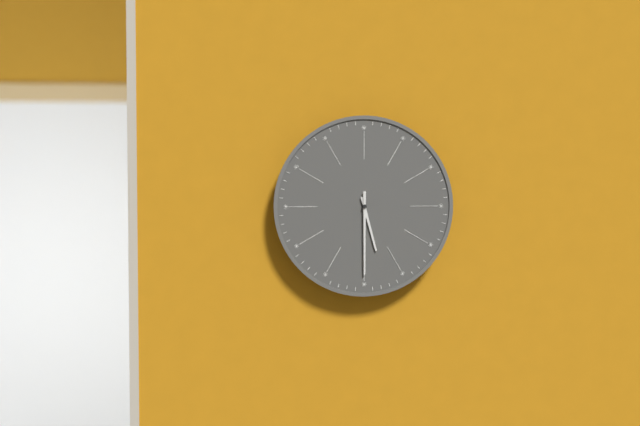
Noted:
**5:30**
